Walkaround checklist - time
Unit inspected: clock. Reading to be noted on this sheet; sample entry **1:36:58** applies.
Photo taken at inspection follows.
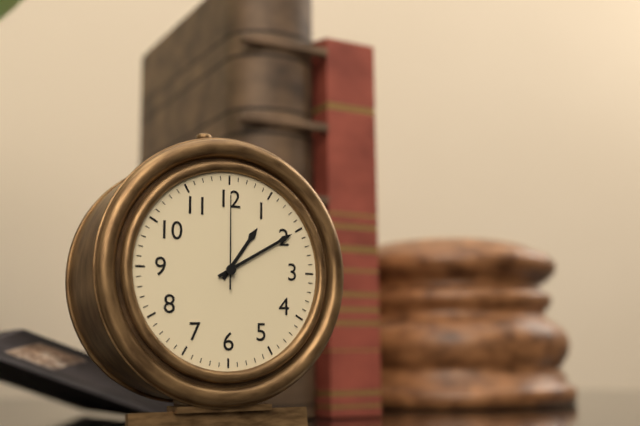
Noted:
**1:10:00**
